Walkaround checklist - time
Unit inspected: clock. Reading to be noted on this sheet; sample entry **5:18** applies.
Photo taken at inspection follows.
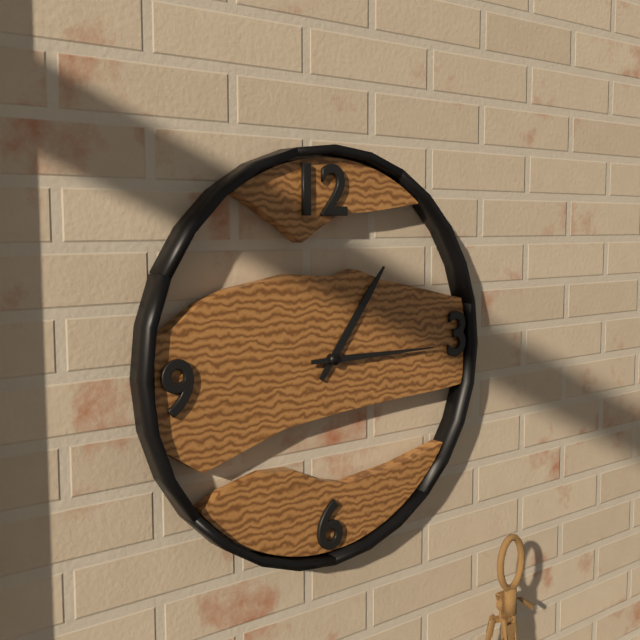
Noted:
**1:15**
